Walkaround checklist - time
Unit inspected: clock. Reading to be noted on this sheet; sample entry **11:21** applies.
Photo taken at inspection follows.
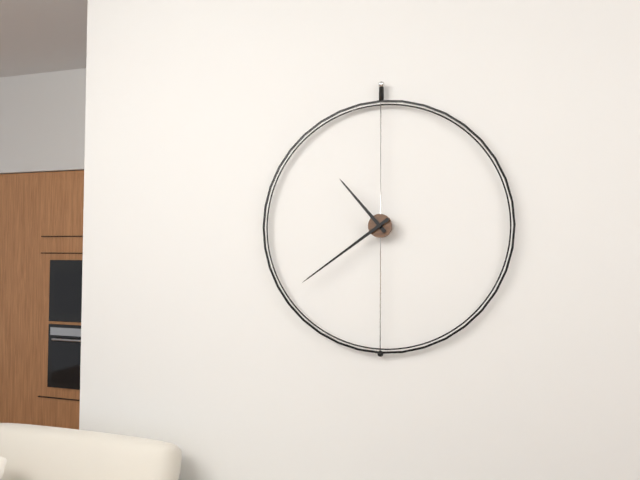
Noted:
**10:39**
